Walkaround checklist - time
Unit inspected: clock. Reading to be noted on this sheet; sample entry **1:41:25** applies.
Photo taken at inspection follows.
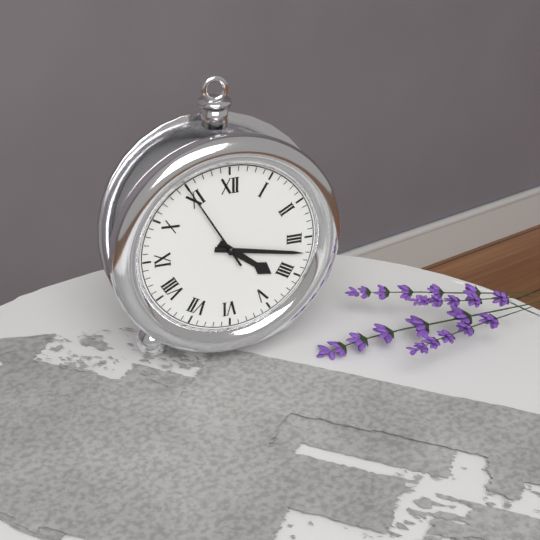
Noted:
**4:17:55**
